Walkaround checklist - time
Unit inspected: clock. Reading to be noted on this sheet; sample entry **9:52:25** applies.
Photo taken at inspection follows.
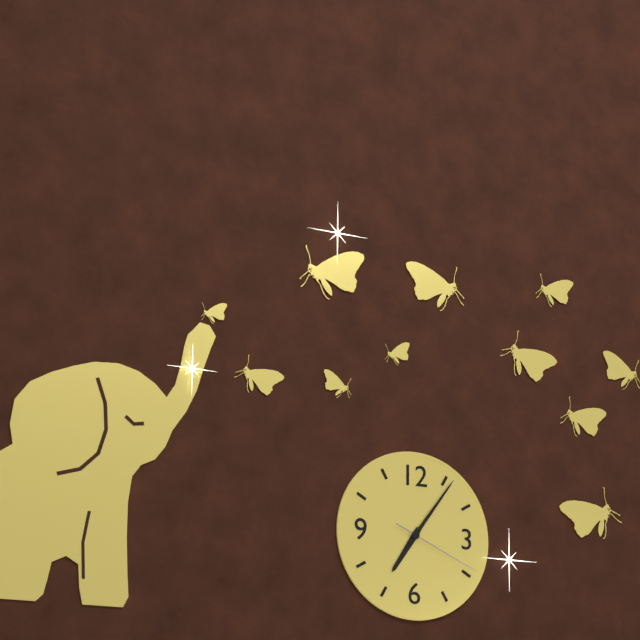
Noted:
**7:06:19**
